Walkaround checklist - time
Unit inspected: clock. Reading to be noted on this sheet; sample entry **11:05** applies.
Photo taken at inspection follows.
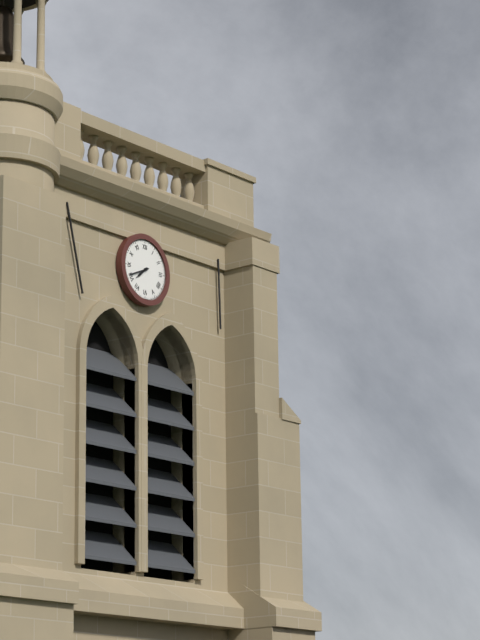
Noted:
**7:41**
